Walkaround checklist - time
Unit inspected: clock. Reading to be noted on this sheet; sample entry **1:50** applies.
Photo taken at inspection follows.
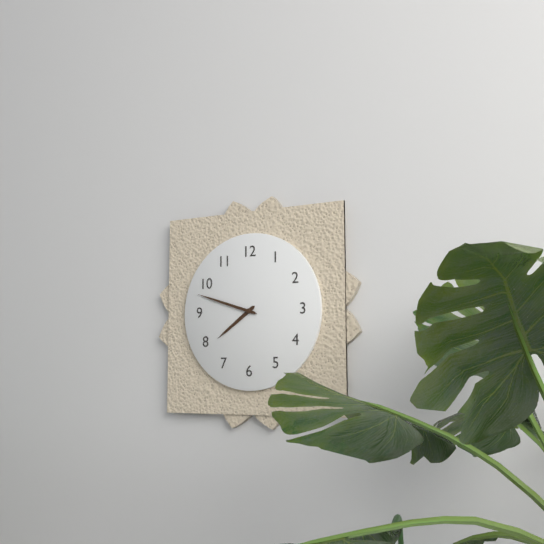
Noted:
**7:48**
